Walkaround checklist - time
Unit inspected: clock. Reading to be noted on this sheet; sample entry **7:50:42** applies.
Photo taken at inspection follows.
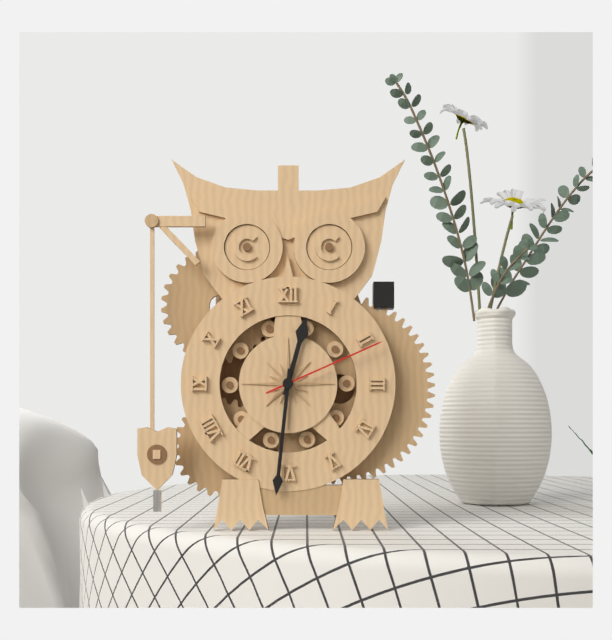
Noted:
**12:31:11**
